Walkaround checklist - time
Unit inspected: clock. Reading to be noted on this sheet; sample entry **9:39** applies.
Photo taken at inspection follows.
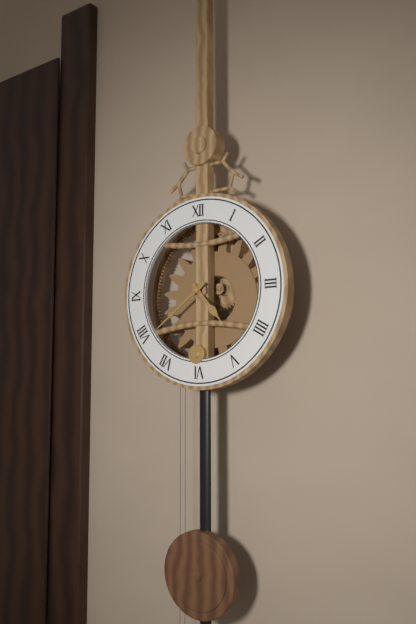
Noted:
**4:39**
